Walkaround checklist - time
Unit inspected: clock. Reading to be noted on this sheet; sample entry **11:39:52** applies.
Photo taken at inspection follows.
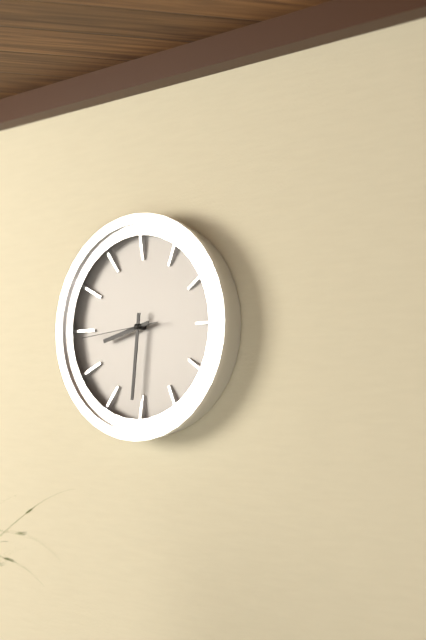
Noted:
**8:31:44**
